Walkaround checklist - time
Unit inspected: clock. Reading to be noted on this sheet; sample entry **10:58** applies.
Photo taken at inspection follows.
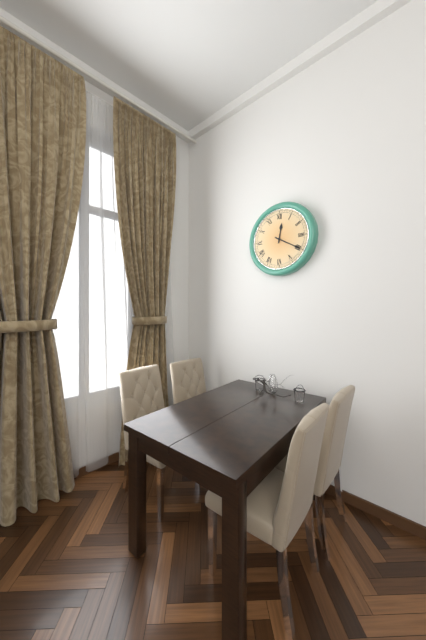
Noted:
**12:20**
